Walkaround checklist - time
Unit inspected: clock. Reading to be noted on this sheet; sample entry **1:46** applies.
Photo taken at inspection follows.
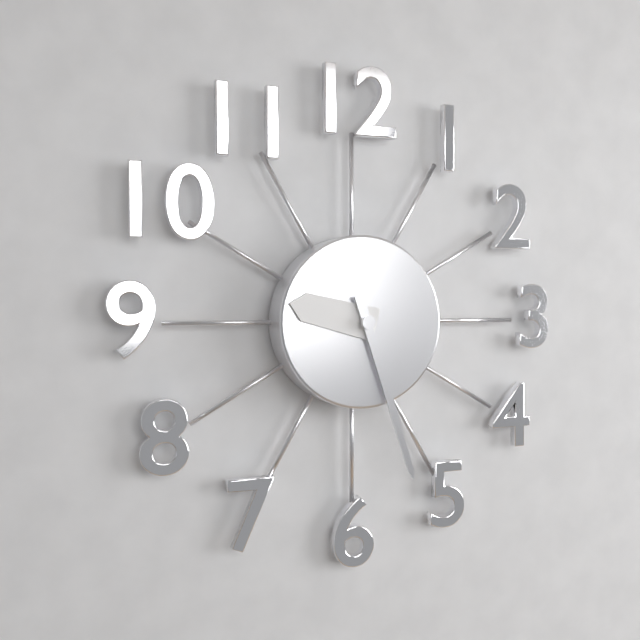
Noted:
**9:27**
